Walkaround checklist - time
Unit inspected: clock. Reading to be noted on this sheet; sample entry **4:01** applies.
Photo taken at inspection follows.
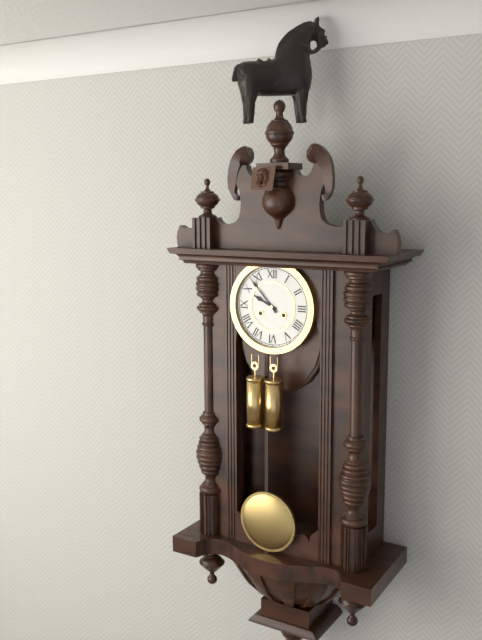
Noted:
**9:53**
